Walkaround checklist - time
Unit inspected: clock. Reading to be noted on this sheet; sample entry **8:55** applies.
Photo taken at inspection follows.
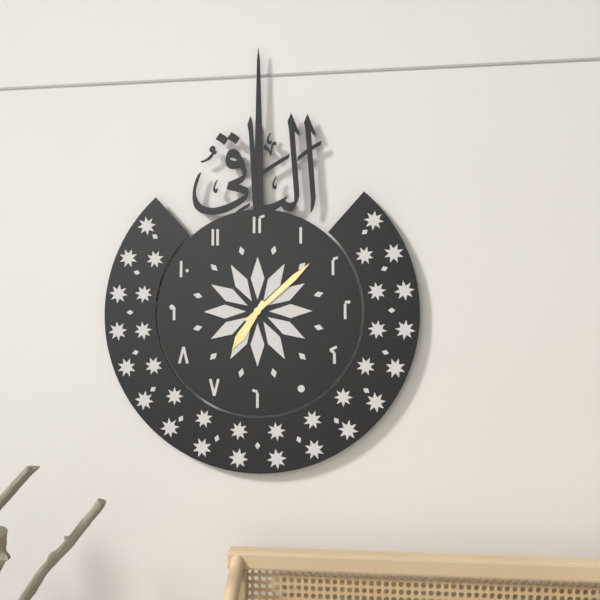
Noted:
**7:08**
